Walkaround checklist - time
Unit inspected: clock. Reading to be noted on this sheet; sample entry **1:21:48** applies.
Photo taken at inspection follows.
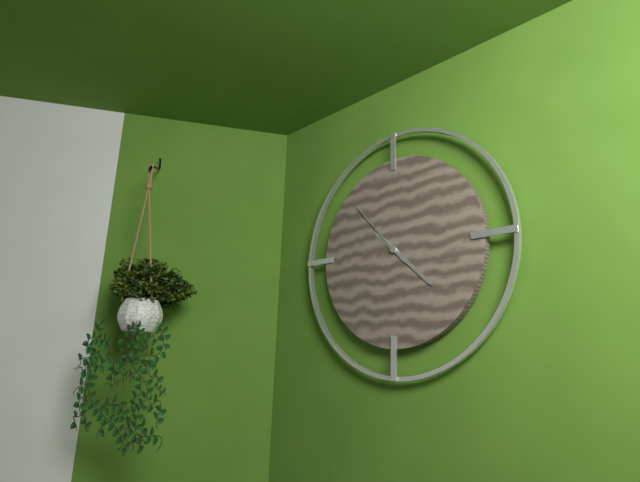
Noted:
**10:22:53**
